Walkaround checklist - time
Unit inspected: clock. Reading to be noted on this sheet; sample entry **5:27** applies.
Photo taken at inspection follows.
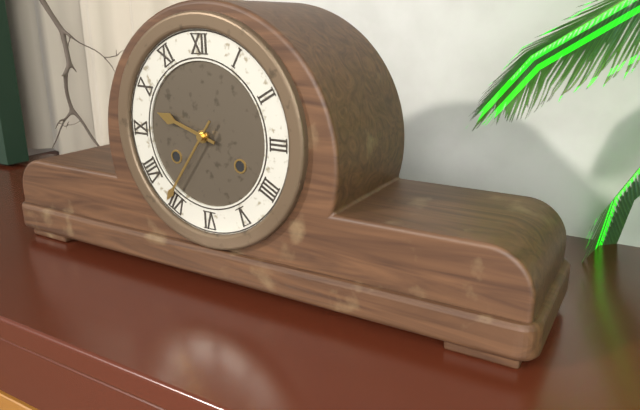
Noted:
**9:36**
